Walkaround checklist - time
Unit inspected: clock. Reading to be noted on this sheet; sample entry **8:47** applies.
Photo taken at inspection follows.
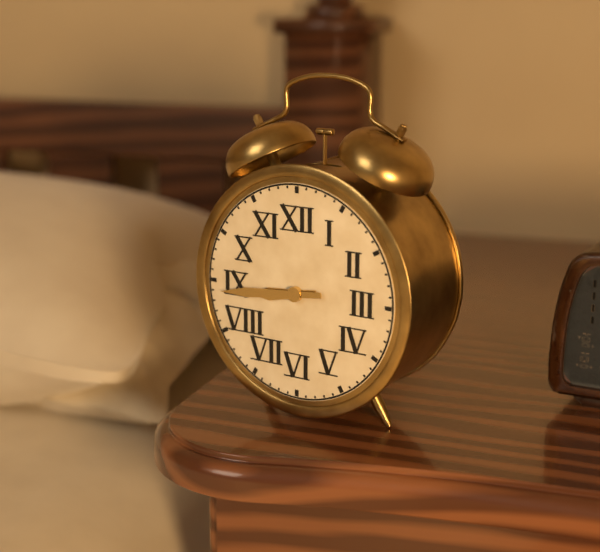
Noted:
**8:44**
